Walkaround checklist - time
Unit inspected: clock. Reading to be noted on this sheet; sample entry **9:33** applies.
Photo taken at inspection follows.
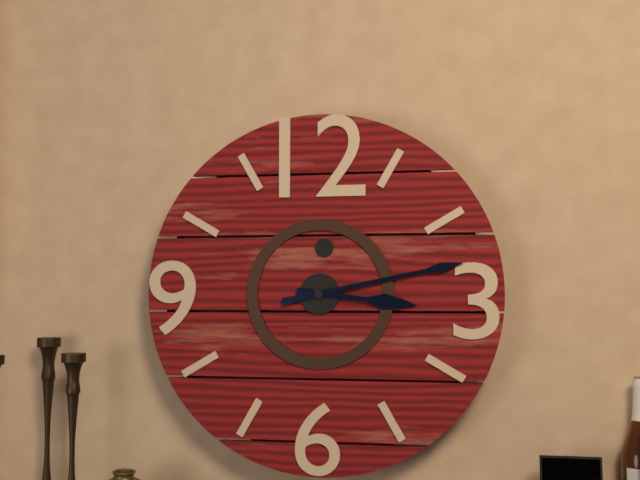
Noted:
**3:13**
